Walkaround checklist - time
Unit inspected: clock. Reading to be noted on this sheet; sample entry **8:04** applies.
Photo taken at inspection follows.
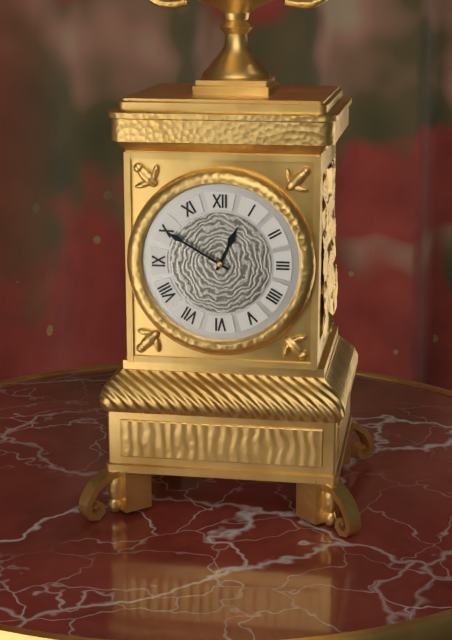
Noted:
**12:50**
